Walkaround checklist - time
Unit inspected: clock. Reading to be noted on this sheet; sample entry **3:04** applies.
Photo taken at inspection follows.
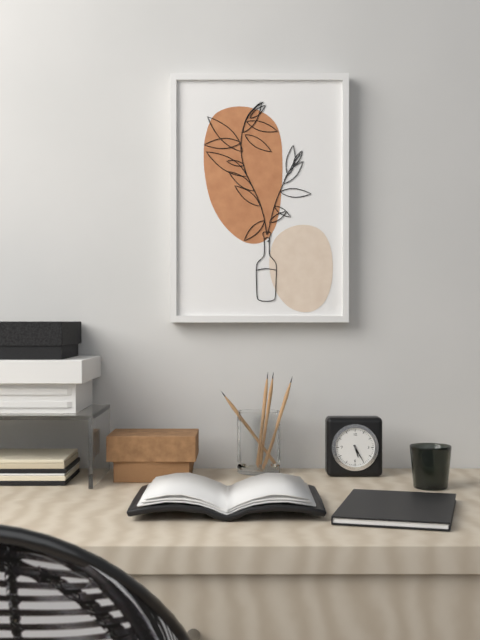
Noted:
**5:25**
